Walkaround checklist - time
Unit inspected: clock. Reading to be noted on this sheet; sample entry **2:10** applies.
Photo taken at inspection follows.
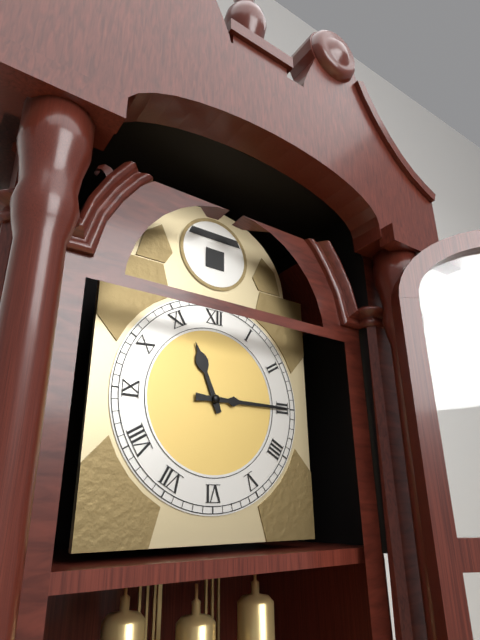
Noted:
**11:15**
